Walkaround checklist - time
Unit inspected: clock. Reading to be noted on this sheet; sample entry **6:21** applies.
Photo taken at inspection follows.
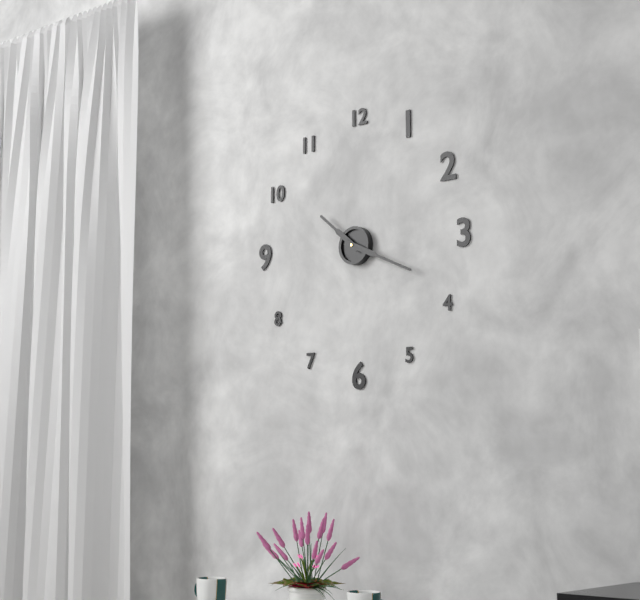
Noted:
**10:19**
